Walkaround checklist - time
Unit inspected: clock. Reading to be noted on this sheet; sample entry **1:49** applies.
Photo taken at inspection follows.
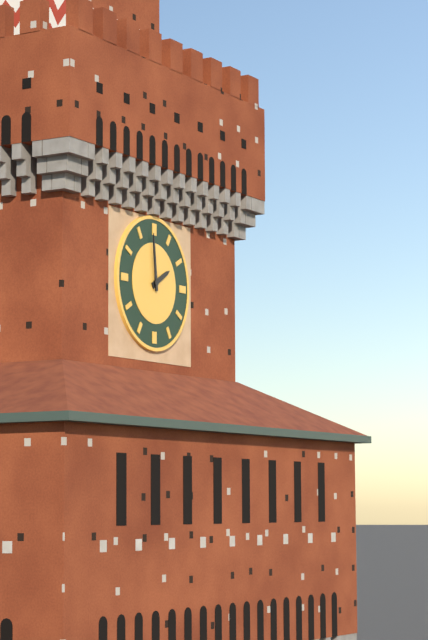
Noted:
**1:59**
